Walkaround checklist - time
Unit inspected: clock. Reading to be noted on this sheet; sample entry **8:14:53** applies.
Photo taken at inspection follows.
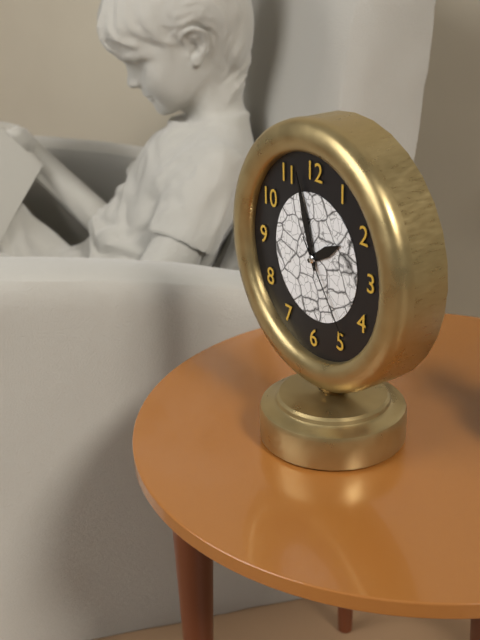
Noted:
**1:57:24**
